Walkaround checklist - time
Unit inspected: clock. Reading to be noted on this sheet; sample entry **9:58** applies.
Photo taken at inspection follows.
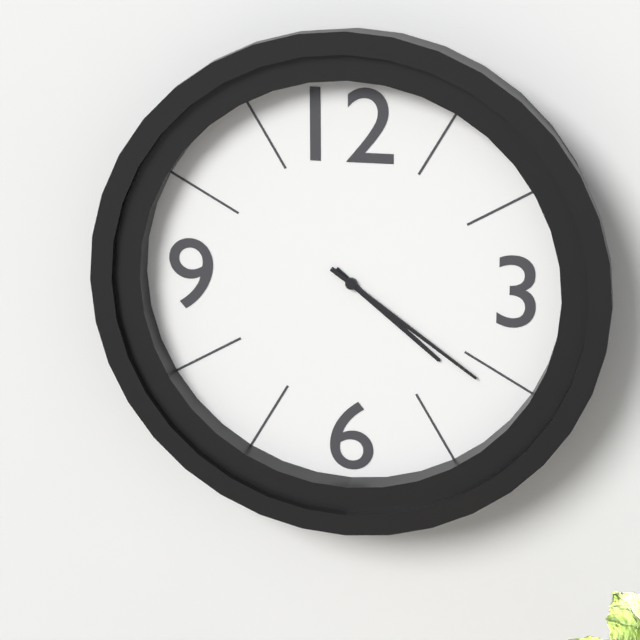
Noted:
**4:21**
